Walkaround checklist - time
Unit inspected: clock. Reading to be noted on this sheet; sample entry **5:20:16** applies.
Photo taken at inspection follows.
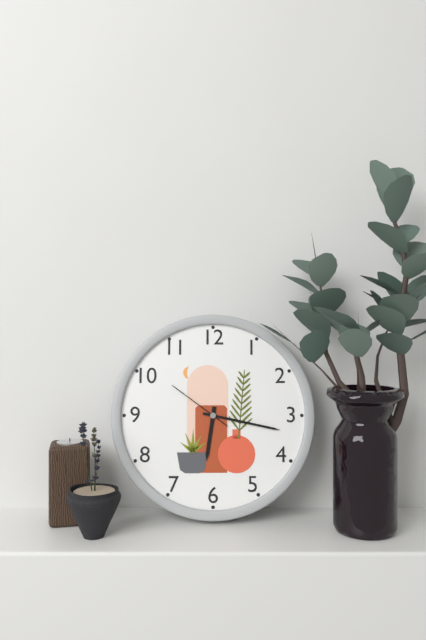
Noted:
**6:17:51**
